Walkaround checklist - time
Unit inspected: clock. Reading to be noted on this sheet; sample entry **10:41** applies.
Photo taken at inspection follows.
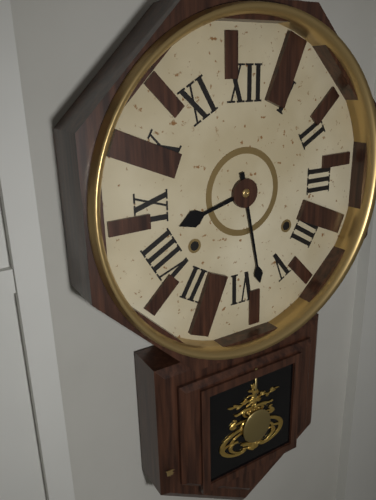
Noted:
**8:28**
